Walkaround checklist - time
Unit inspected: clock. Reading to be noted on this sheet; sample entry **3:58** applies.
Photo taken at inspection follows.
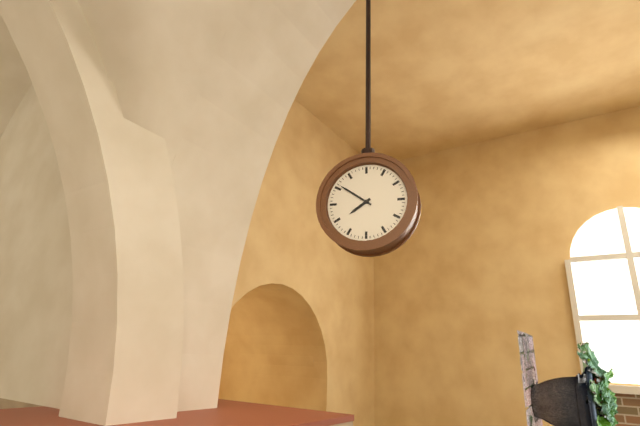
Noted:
**7:51**
